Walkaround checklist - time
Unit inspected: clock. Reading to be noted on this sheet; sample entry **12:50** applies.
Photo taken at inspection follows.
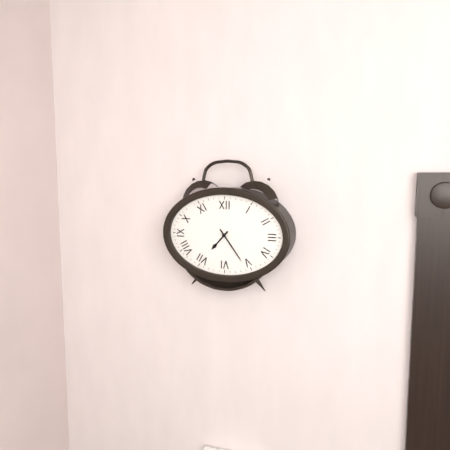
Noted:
**7:24**
